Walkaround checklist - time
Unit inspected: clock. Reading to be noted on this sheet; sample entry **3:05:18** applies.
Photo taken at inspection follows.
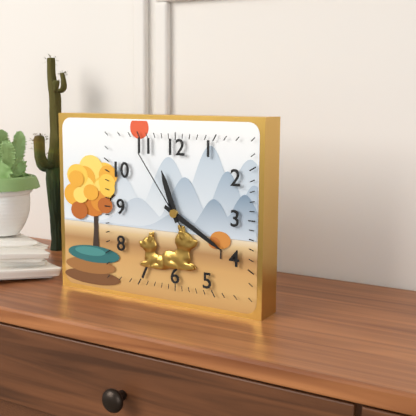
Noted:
**11:20:54**
